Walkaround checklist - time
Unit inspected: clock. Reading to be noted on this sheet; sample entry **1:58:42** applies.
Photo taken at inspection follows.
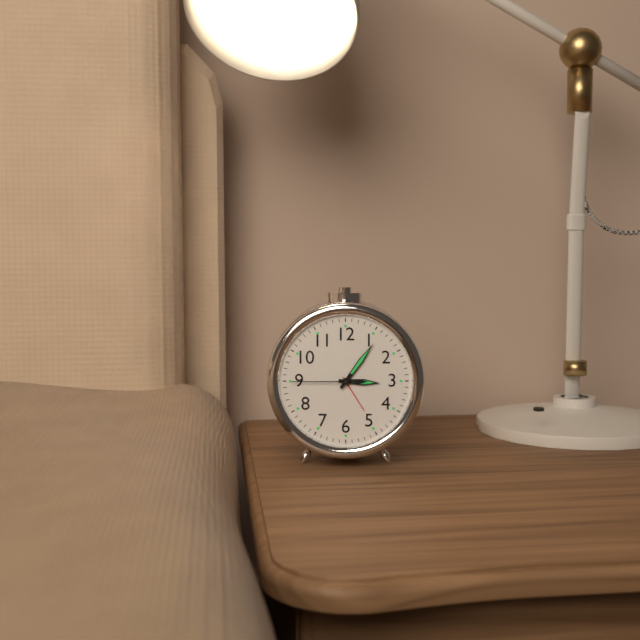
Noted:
**3:06:45**
